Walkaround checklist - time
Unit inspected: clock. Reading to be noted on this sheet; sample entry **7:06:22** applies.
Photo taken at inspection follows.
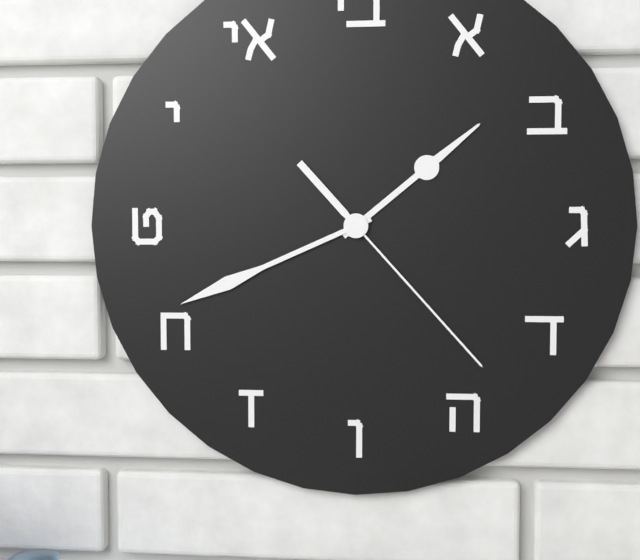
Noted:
**1:41:23**
